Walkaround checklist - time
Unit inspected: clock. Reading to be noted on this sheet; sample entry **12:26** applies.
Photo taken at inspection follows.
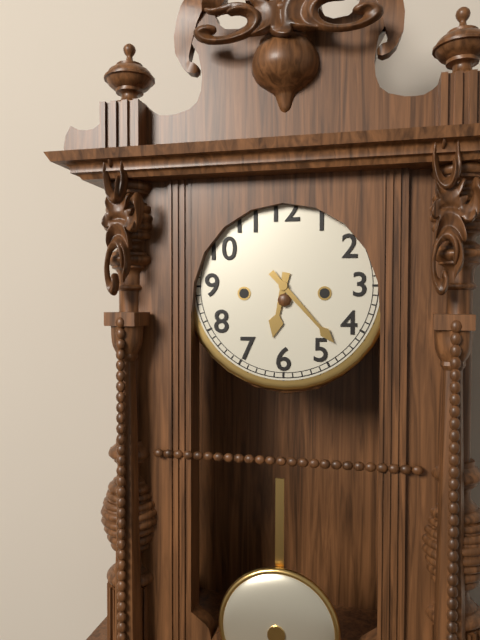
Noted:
**6:23**
